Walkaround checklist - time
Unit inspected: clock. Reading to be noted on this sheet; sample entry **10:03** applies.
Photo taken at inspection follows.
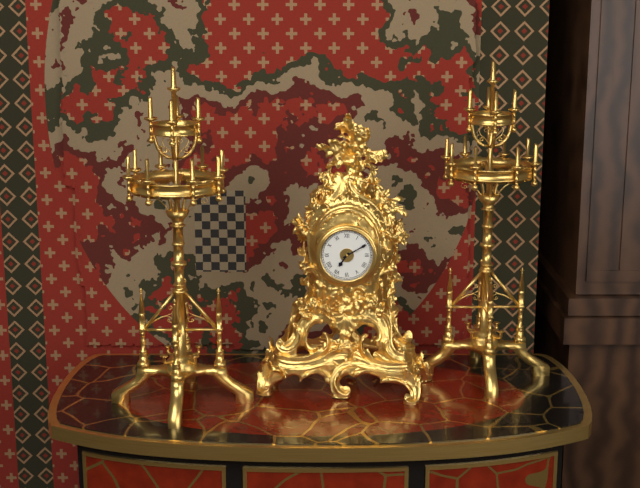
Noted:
**7:10**
